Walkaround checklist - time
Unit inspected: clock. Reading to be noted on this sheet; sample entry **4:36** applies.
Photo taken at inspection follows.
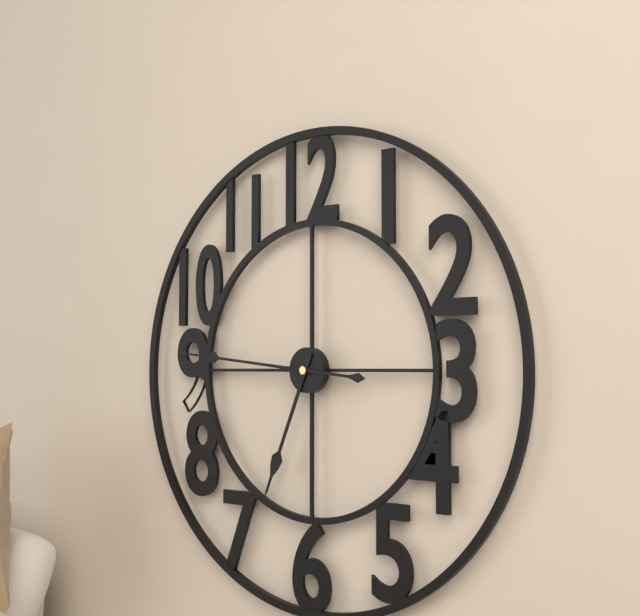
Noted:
**6:46**
